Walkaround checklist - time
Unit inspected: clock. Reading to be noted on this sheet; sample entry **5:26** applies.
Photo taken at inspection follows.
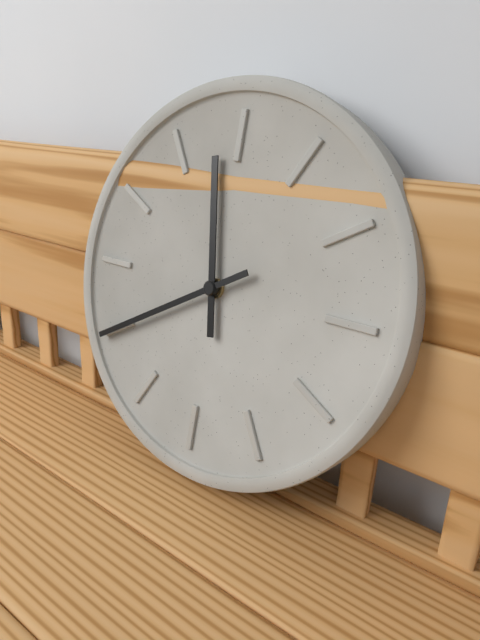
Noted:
**11:40**
